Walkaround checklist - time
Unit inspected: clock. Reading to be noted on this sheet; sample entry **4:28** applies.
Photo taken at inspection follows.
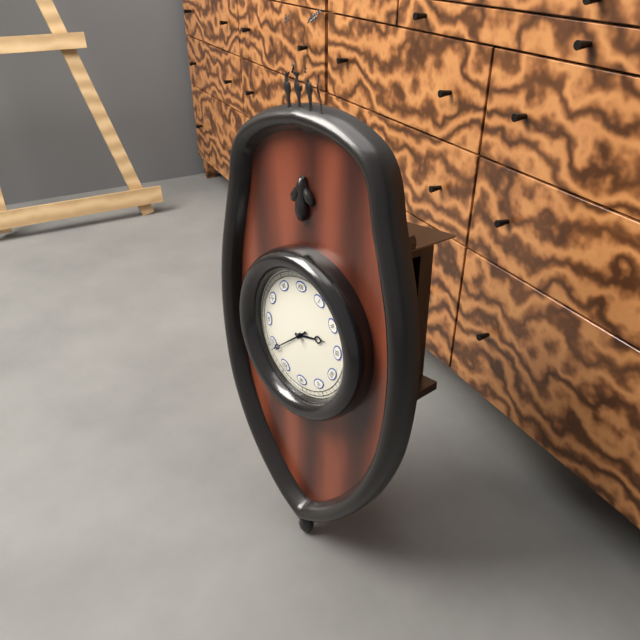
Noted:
**2:39**
